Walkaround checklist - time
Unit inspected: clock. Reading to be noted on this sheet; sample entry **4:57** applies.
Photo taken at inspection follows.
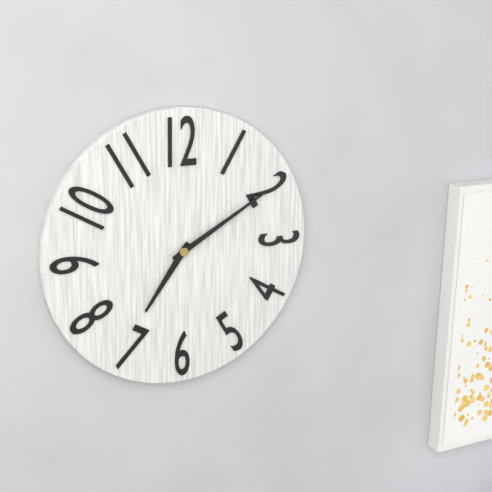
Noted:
**7:10**
